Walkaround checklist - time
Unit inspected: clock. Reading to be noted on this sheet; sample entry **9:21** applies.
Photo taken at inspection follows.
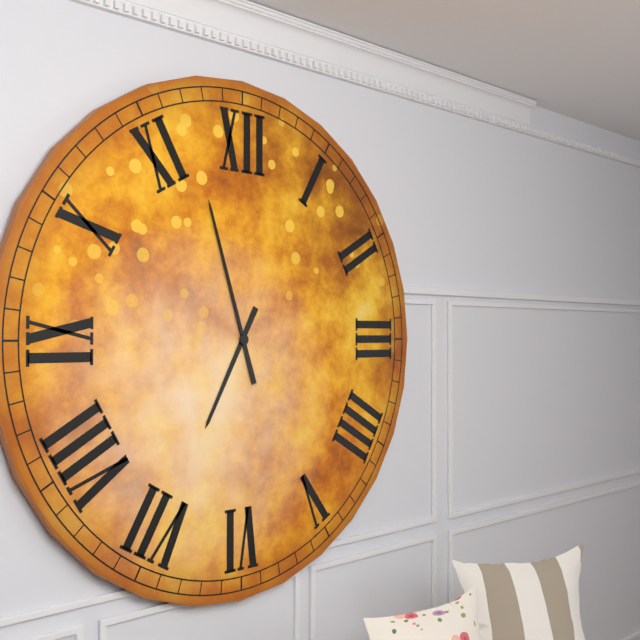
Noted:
**6:57**
